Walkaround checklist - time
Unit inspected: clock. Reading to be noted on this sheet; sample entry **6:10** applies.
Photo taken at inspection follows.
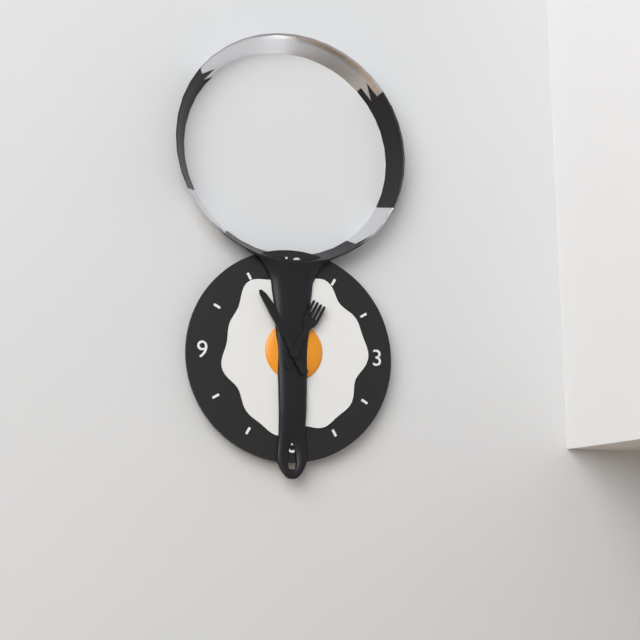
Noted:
**12:55**
